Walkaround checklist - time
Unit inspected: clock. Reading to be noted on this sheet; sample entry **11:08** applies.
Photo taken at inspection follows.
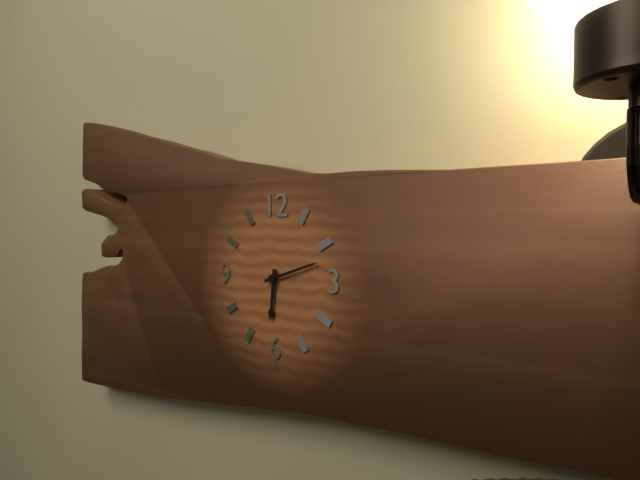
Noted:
**6:12**
